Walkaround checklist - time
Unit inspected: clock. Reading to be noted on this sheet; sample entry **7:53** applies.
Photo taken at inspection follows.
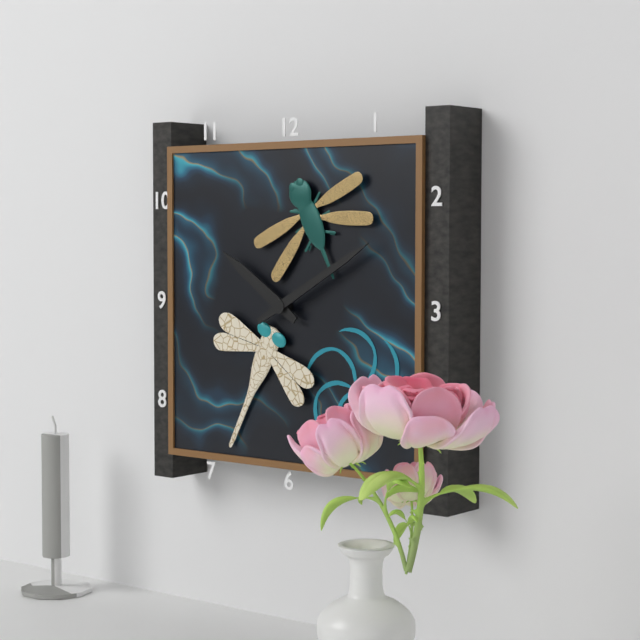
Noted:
**10:10**
